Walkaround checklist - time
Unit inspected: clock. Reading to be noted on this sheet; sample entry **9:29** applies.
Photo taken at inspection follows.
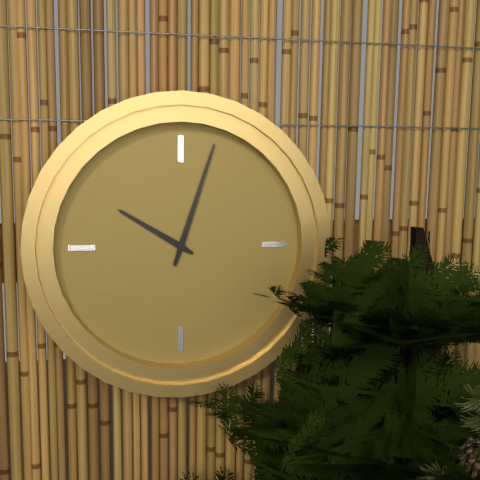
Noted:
**10:03**
